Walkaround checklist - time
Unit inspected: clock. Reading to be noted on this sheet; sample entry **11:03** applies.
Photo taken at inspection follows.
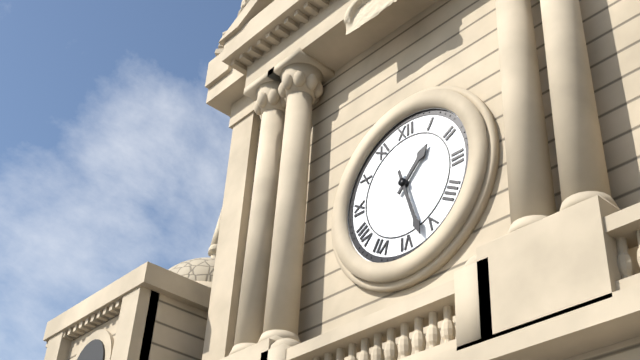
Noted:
**1:27**
